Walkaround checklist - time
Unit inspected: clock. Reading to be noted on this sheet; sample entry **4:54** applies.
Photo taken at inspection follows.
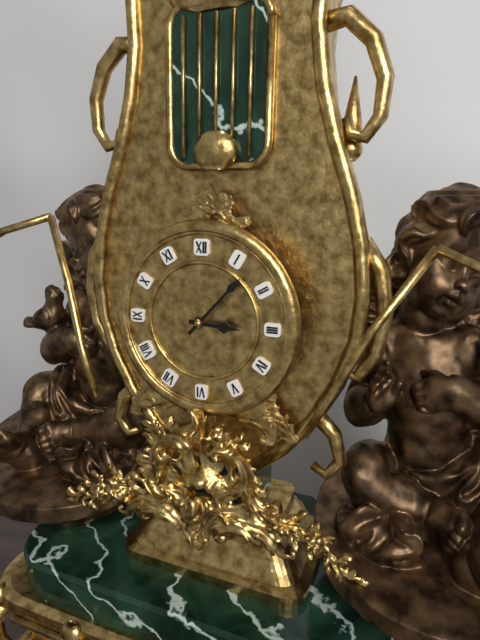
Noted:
**3:07**
